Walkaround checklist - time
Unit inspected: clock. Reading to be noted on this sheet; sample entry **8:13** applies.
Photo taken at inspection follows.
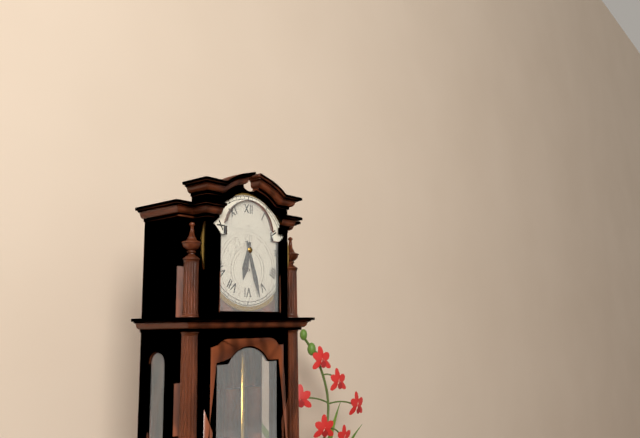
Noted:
**6:27**
